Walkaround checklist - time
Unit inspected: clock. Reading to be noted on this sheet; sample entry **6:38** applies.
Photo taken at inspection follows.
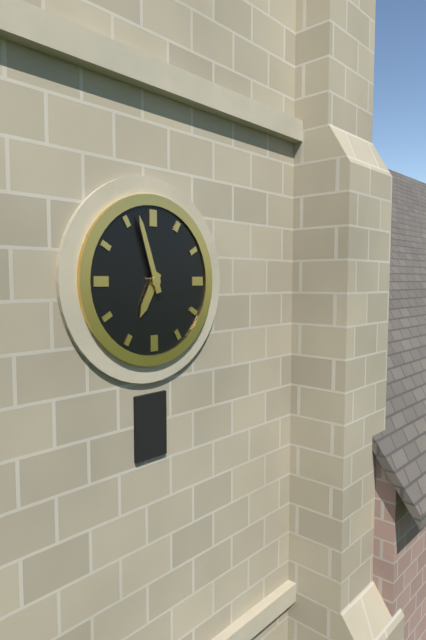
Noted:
**6:57**
